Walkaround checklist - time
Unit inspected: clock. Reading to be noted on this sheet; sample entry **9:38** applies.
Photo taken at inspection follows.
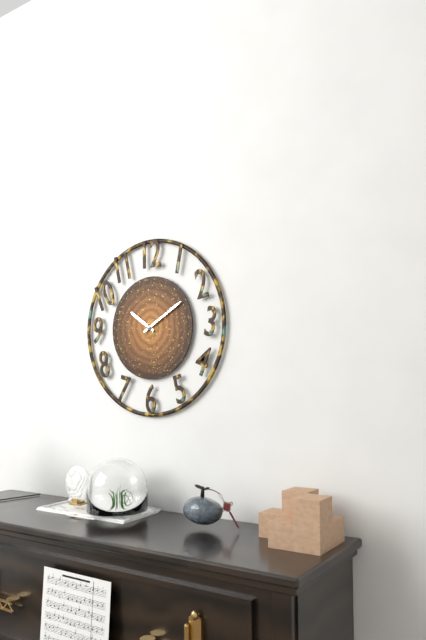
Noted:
**10:10**
